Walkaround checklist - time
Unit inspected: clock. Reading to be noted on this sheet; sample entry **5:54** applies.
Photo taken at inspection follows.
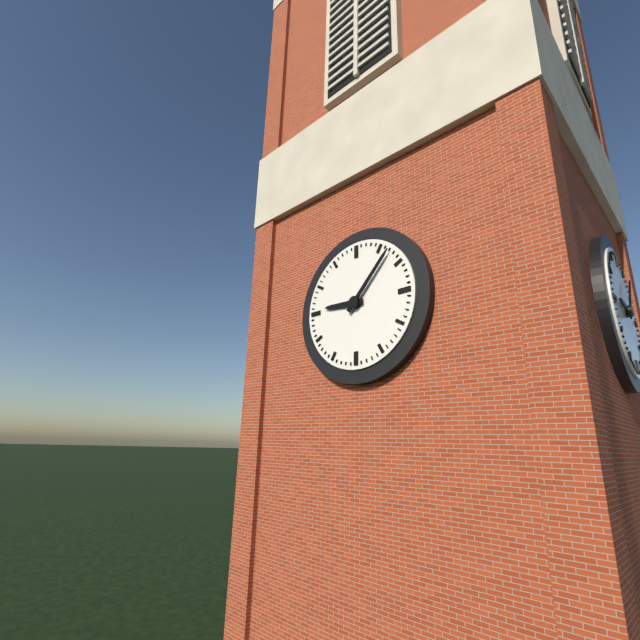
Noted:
**9:07**
